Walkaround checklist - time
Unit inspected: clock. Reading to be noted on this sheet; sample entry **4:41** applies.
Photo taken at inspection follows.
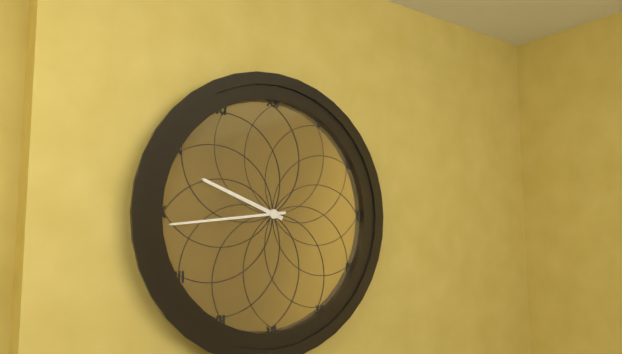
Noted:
**9:44**
